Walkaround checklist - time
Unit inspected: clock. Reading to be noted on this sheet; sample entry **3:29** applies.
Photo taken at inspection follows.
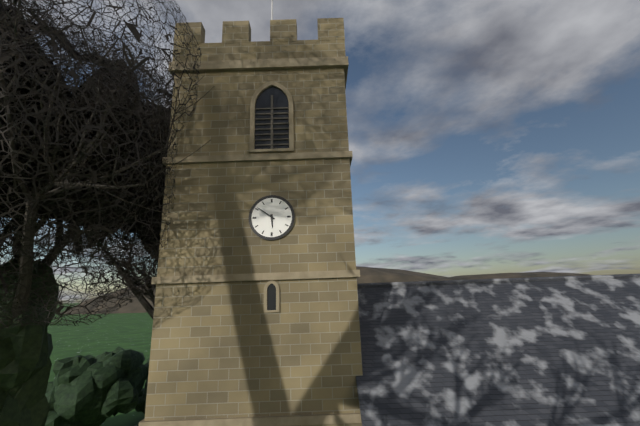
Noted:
**5:51**
